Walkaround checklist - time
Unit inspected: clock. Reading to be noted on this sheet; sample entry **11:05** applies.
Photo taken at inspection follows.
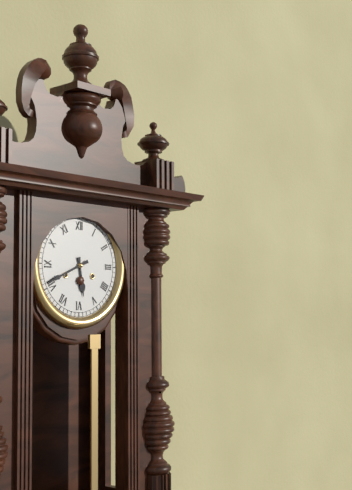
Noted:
**5:41**
